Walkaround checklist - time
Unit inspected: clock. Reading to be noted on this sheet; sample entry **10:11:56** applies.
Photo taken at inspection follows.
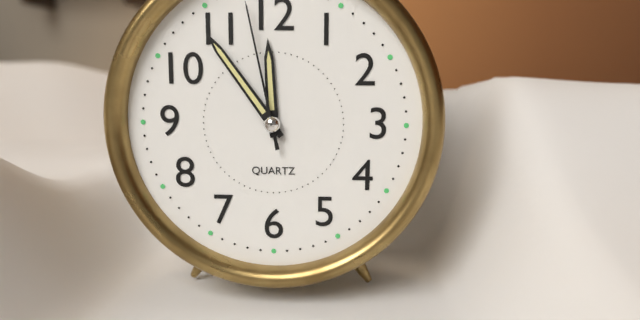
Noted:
**11:54:58**
